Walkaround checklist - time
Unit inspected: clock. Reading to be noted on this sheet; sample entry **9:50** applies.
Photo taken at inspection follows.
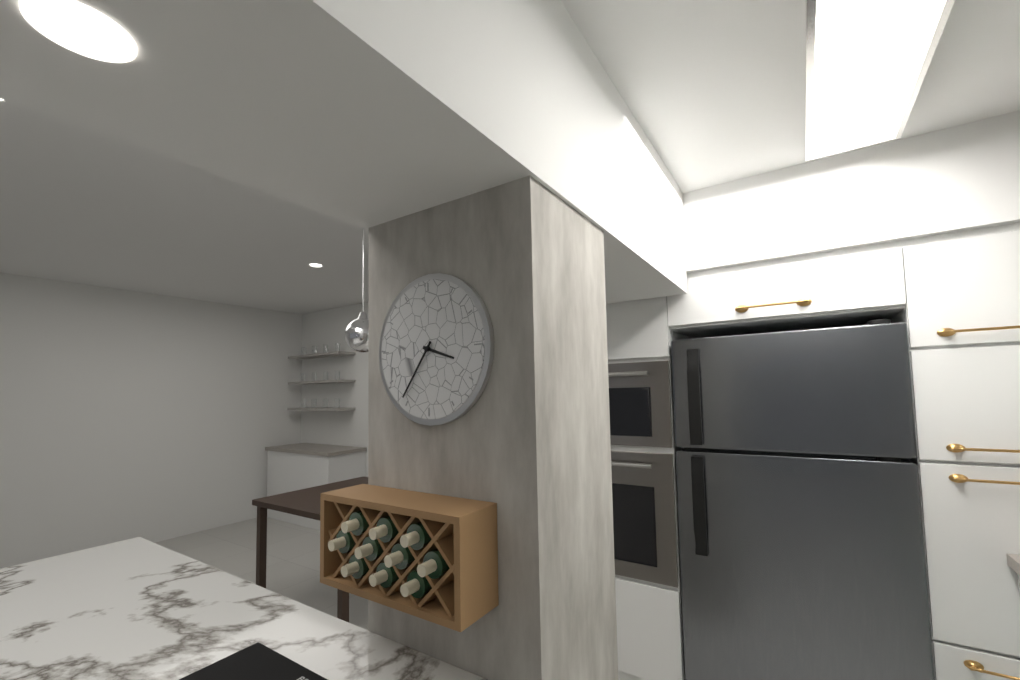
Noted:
**3:36**
